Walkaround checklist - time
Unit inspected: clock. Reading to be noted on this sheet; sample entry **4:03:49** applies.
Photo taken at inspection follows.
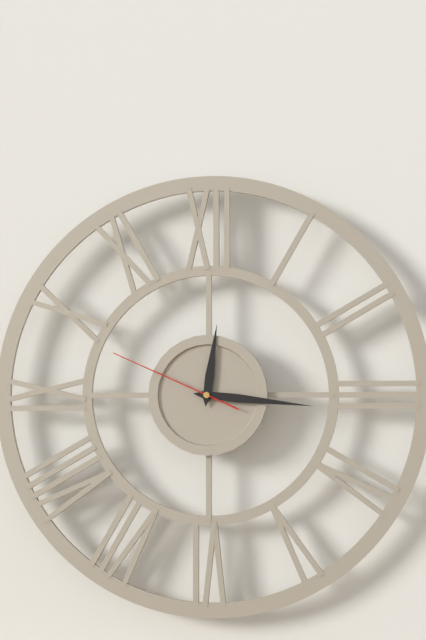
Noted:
**12:16:49**
